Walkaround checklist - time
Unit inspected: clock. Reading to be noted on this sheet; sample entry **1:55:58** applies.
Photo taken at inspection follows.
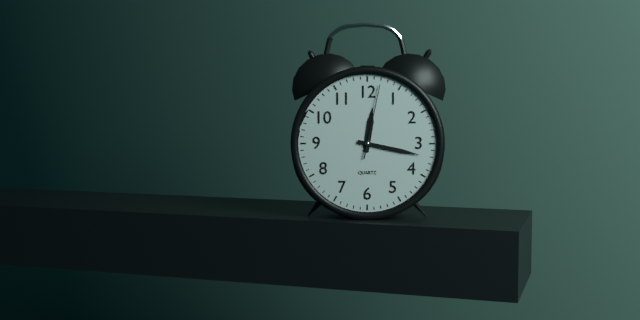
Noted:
**12:17:02**
